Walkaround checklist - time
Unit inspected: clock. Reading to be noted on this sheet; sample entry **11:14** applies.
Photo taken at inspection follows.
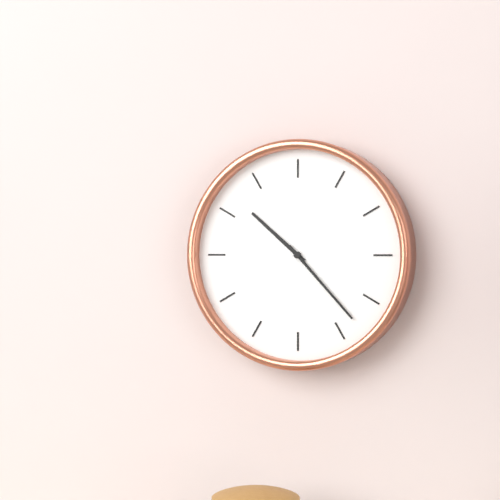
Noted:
**10:23**
